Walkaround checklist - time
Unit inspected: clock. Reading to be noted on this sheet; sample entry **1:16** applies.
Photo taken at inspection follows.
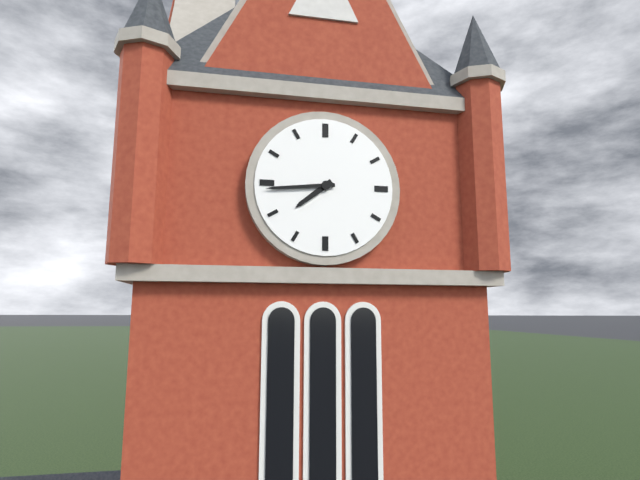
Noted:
**7:44**
